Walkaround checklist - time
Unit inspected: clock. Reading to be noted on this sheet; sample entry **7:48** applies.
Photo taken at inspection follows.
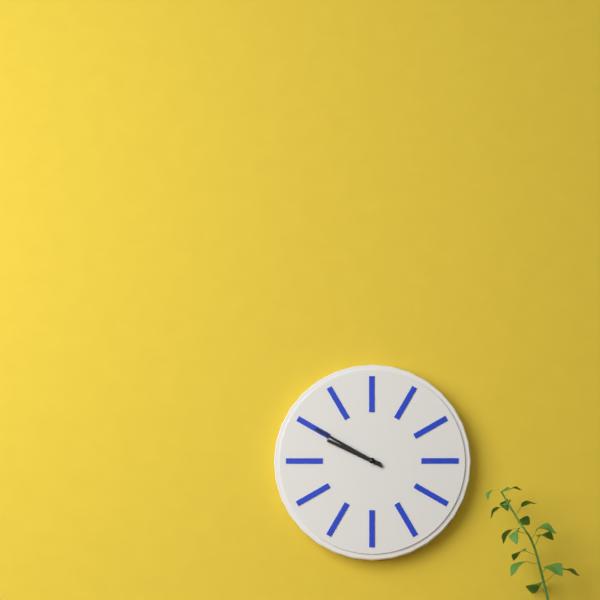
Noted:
**9:50**
